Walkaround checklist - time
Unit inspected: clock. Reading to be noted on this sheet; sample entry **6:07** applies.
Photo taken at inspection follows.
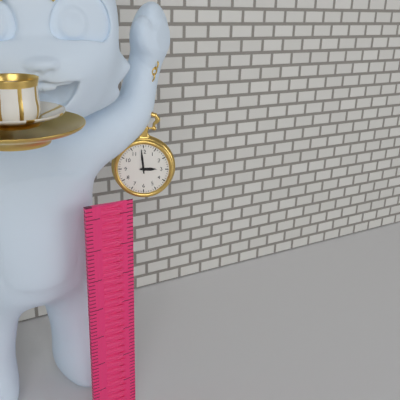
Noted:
**2:59**
